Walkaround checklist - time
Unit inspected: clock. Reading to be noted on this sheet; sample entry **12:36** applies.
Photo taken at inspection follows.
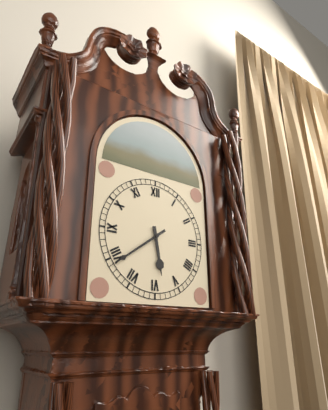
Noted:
**5:39**
